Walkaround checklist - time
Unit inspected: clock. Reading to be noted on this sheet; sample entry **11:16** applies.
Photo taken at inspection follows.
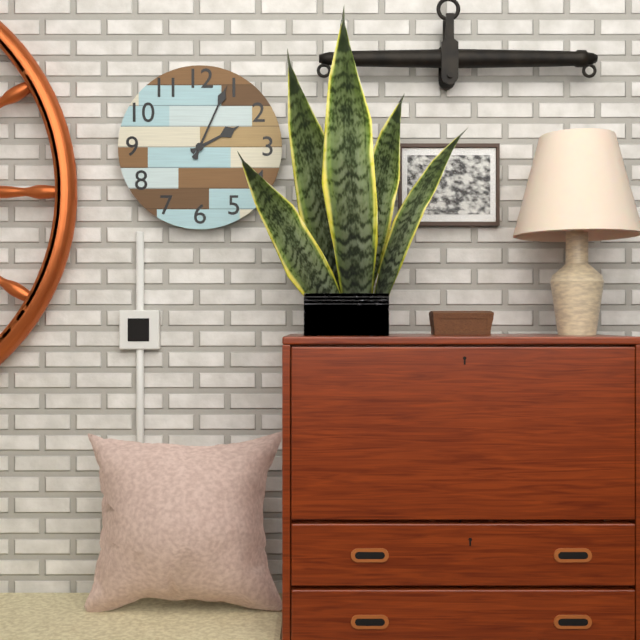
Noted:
**2:04**
